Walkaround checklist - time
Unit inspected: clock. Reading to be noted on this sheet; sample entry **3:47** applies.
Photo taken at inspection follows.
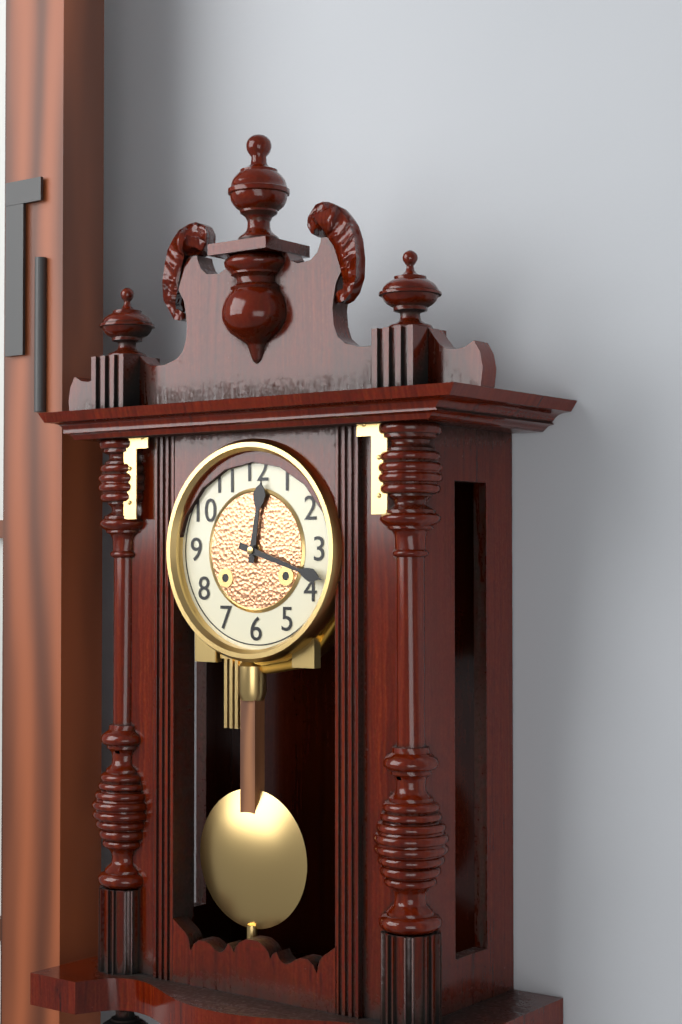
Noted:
**12:18**
